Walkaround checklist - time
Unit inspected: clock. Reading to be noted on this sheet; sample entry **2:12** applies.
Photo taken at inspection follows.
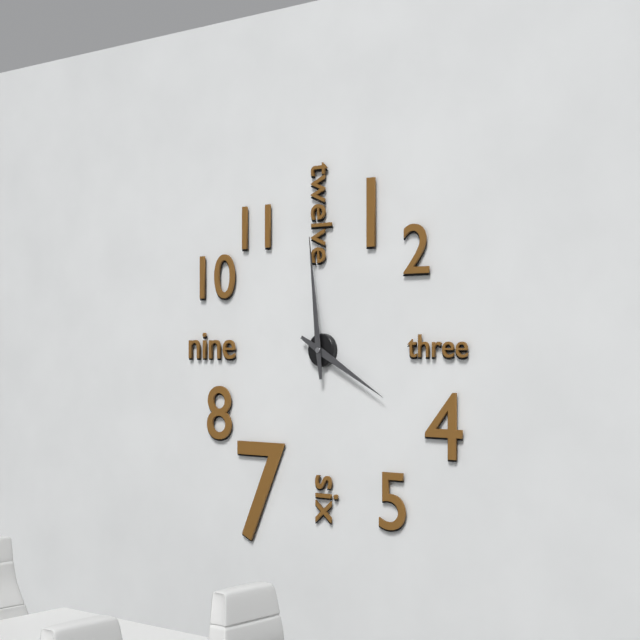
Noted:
**3:59**
